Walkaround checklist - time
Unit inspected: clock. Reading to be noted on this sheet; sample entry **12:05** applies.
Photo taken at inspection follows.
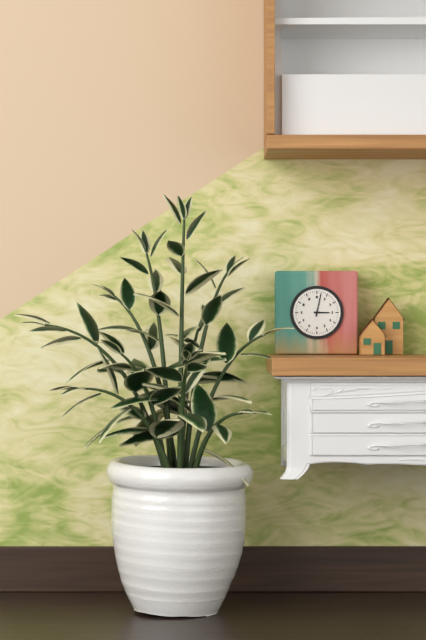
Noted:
**3:02**
